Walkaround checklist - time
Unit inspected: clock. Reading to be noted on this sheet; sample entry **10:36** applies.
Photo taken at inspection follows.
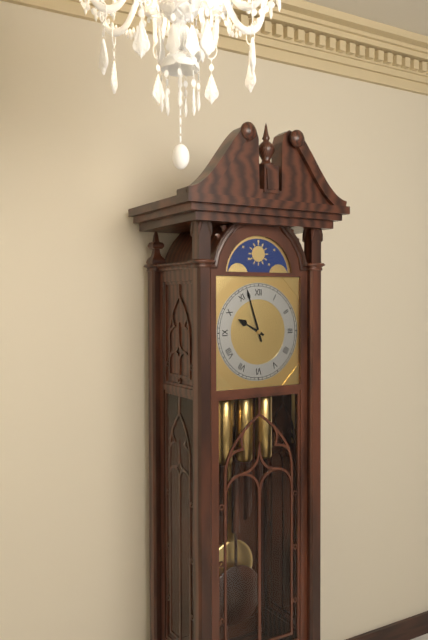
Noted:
**9:57**
